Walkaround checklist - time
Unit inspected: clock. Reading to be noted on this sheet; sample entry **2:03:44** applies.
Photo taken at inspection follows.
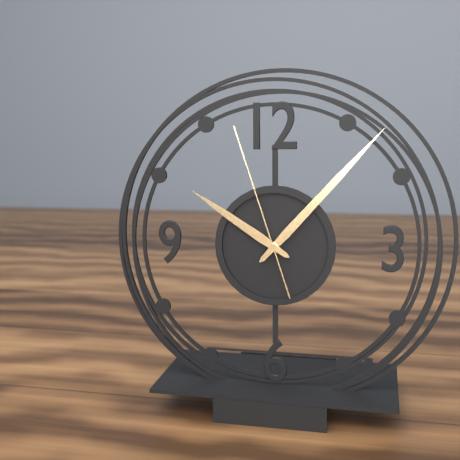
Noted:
**10:07:57**
